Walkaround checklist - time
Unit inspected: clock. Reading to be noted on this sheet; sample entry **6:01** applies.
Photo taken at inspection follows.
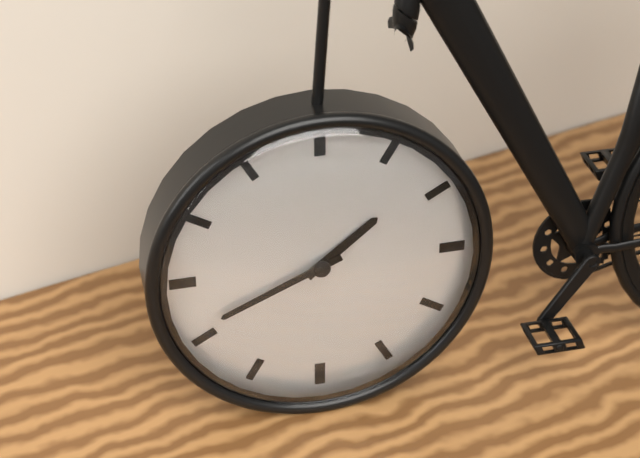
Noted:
**1:41**
